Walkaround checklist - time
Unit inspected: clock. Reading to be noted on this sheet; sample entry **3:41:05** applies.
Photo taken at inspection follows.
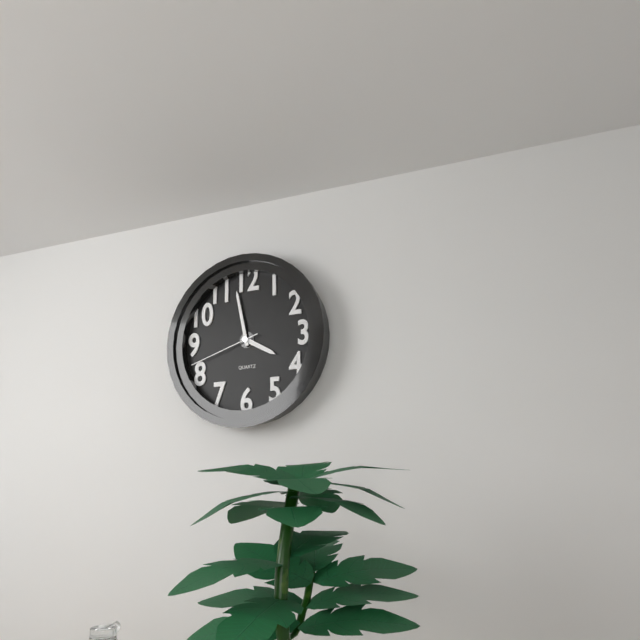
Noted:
**3:58:42**
